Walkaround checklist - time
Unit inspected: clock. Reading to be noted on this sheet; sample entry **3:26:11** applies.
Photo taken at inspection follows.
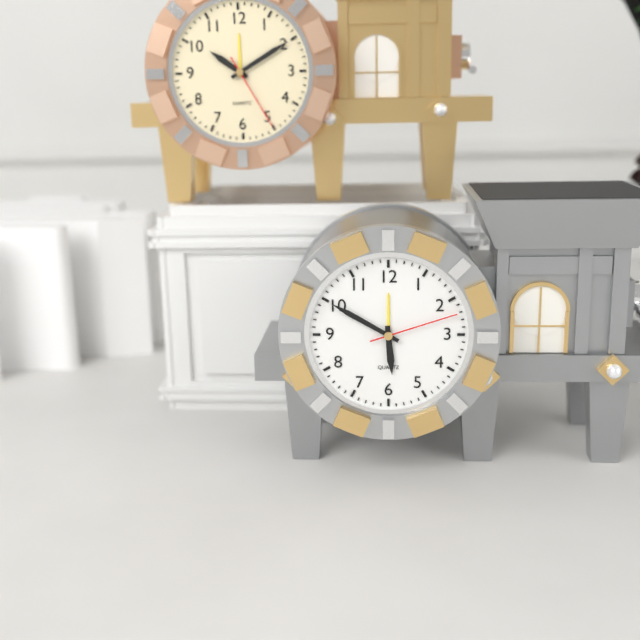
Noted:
**5:50:12**
